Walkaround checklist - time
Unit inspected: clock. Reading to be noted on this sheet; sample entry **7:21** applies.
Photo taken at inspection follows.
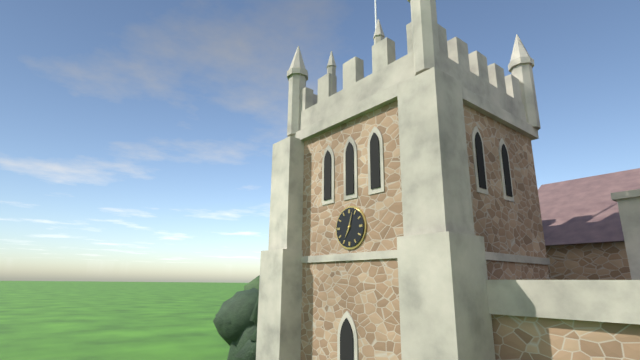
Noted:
**7:03**
